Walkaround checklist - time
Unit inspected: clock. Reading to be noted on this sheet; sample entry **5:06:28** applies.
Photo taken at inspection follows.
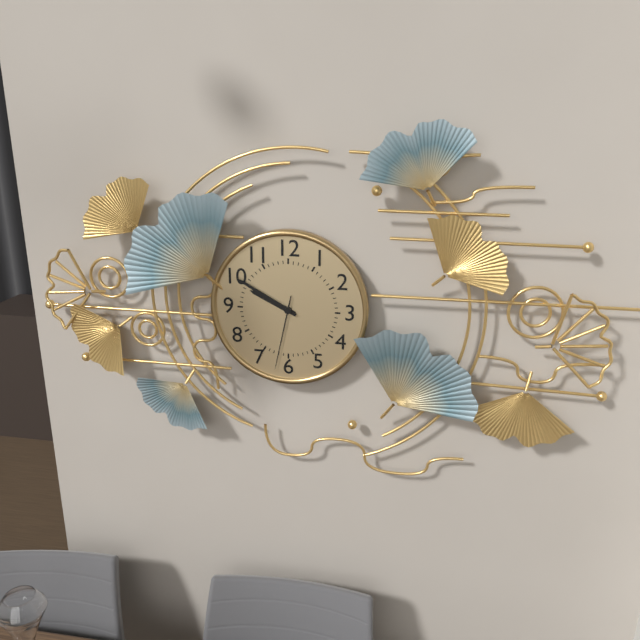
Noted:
**9:50:32**
